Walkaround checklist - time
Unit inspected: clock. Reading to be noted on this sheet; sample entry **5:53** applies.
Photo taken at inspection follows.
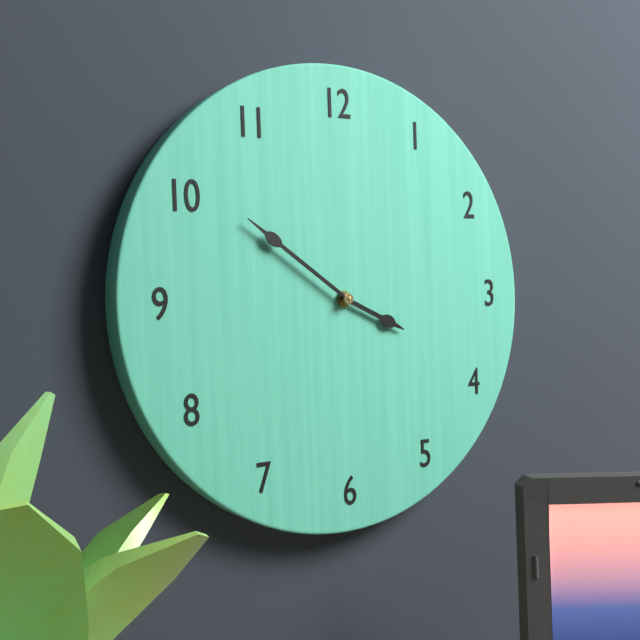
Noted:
**3:51**
